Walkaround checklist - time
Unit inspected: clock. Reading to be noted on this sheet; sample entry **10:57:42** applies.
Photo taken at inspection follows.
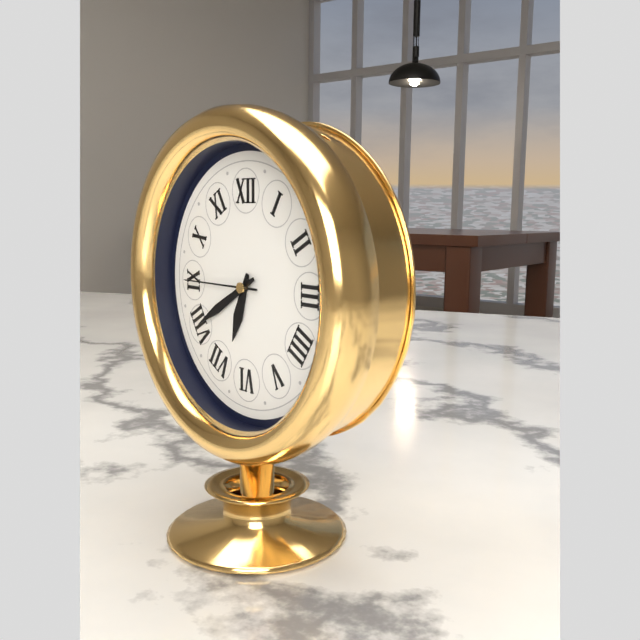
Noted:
**6:40:45**
